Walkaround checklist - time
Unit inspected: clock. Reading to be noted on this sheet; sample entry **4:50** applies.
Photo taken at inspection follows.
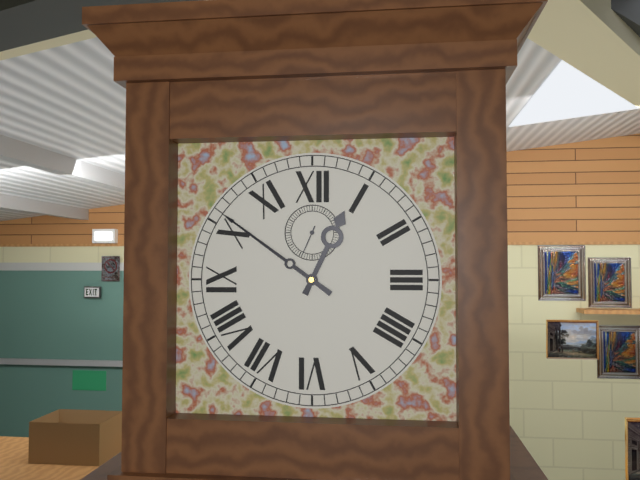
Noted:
**12:51**
